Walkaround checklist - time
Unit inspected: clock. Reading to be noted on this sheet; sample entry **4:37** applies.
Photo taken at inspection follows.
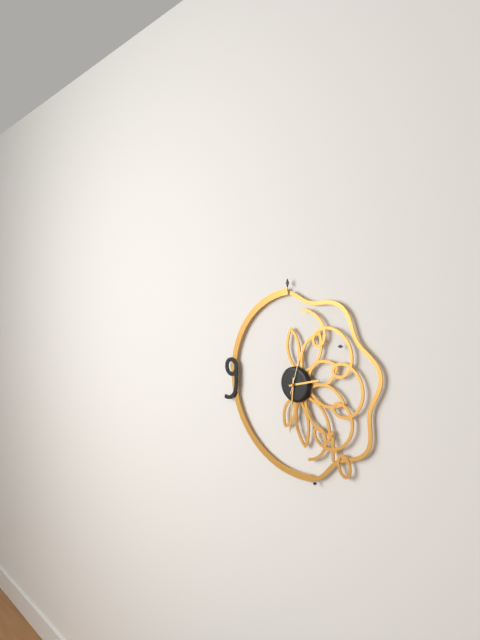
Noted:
**2:31**
